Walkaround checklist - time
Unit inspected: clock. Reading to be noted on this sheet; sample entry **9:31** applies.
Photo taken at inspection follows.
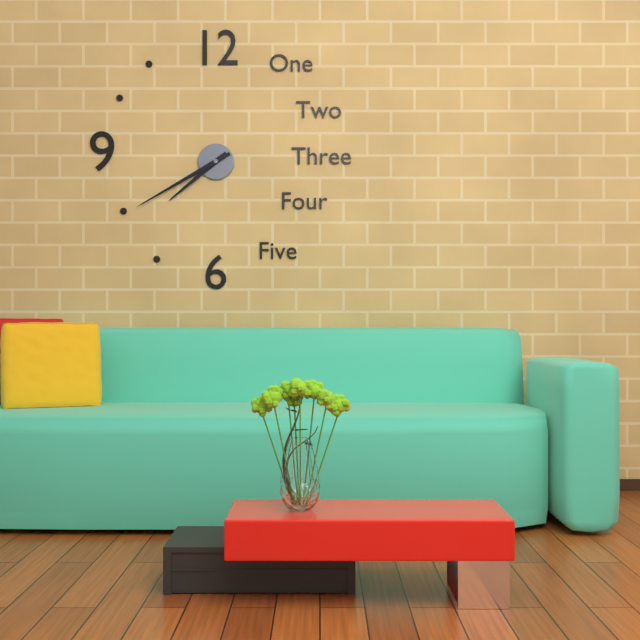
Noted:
**7:40**
